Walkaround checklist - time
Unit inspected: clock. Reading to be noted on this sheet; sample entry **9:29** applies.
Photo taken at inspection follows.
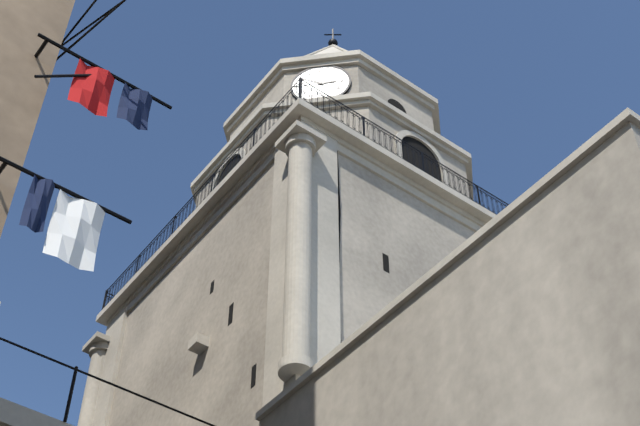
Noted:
**2:51**
